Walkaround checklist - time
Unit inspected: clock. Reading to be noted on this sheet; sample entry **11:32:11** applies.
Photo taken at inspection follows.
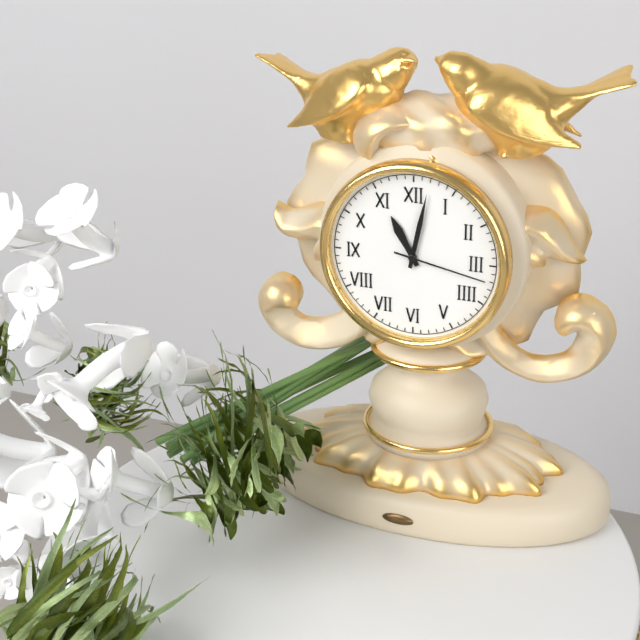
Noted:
**11:02:17**
